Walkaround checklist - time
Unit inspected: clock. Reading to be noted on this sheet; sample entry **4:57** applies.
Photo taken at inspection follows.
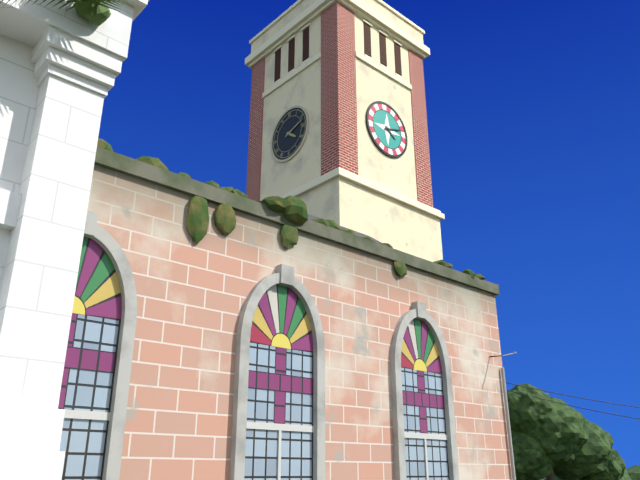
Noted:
**4:12**
